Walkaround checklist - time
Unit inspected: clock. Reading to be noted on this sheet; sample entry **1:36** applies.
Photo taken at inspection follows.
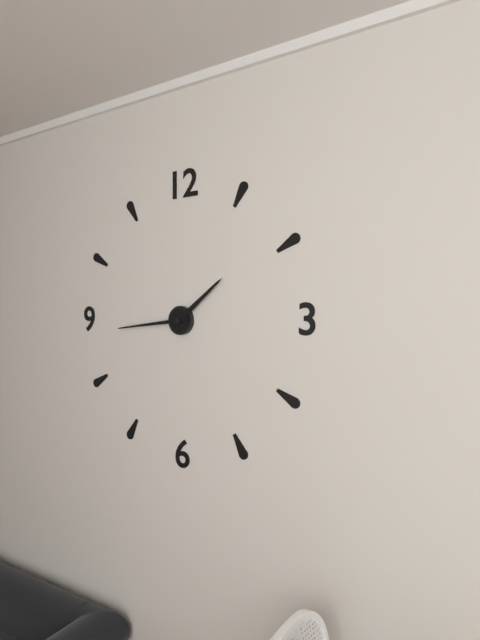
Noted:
**1:44**
